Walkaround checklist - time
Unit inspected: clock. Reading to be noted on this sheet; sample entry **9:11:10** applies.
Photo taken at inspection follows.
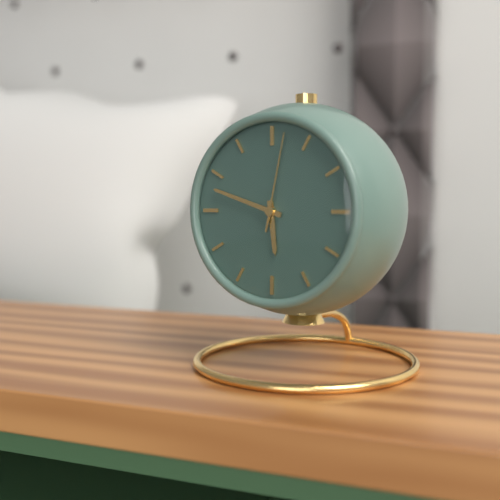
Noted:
**5:48:02**
